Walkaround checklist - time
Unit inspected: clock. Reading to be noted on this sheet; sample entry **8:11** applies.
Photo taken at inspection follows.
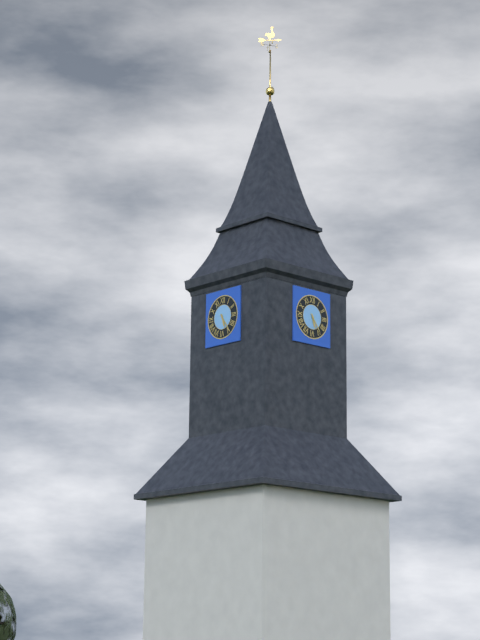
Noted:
**5:24**
